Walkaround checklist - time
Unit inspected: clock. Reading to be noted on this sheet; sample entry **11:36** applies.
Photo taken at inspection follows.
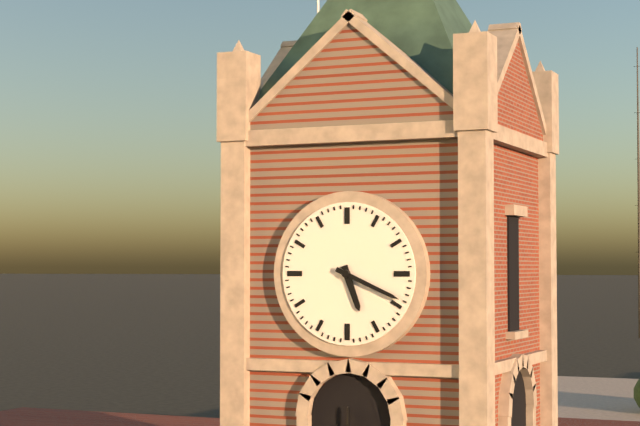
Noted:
**5:19**
